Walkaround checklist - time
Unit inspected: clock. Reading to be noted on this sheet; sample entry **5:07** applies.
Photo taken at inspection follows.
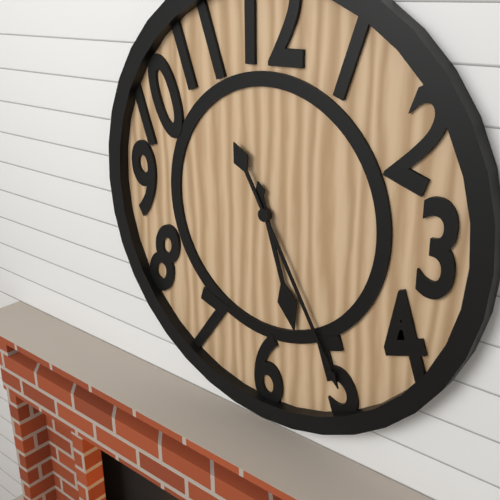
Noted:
**5:25**
